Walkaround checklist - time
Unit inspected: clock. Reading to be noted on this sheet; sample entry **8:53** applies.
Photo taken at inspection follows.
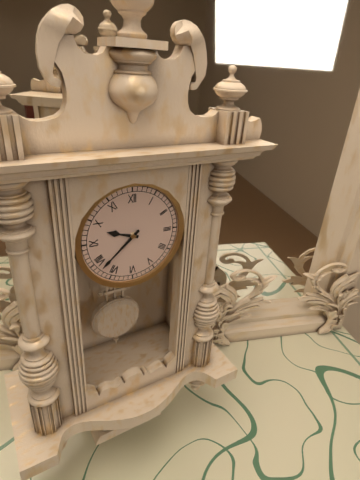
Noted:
**9:38**
